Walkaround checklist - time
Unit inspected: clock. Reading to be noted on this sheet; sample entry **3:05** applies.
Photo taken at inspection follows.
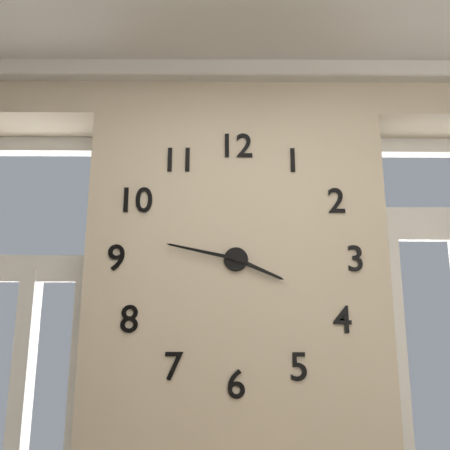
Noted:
**3:47**
